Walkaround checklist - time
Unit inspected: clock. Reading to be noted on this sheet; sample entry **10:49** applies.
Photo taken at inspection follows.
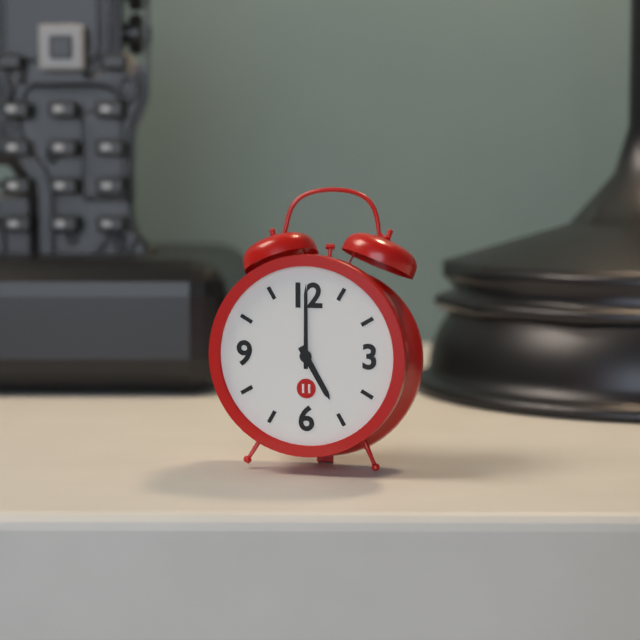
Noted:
**5:00**
